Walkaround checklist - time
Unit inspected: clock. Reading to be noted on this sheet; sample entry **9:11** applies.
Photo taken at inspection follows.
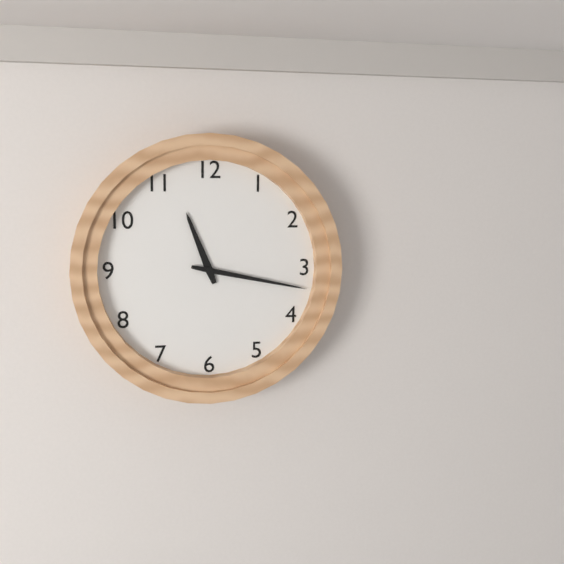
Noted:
**11:17**
